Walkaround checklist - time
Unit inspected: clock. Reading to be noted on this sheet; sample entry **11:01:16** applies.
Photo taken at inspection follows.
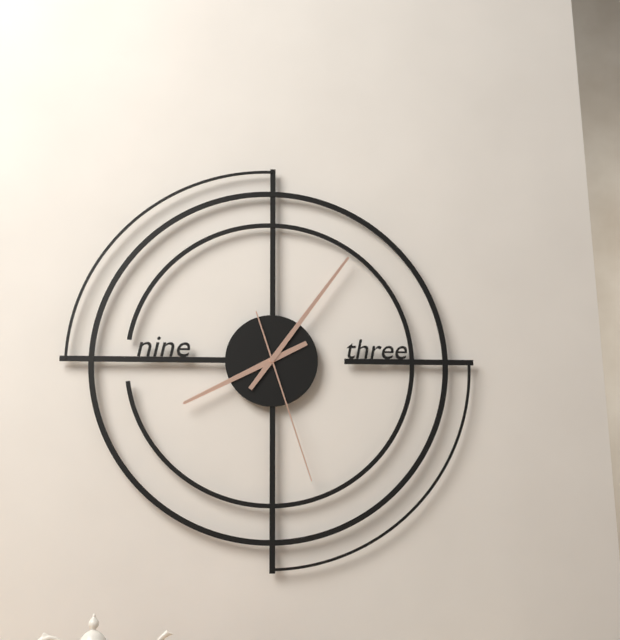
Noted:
**8:06:27**
